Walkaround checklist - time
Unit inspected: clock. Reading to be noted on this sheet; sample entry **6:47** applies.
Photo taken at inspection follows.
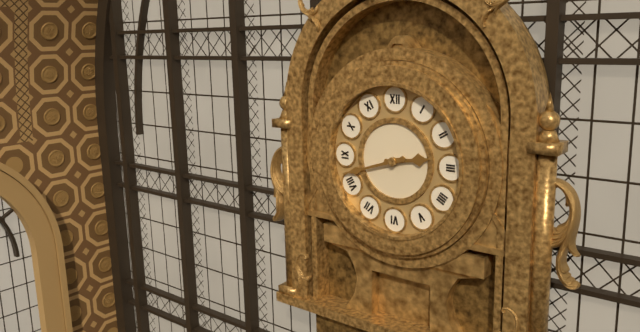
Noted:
**2:42**
